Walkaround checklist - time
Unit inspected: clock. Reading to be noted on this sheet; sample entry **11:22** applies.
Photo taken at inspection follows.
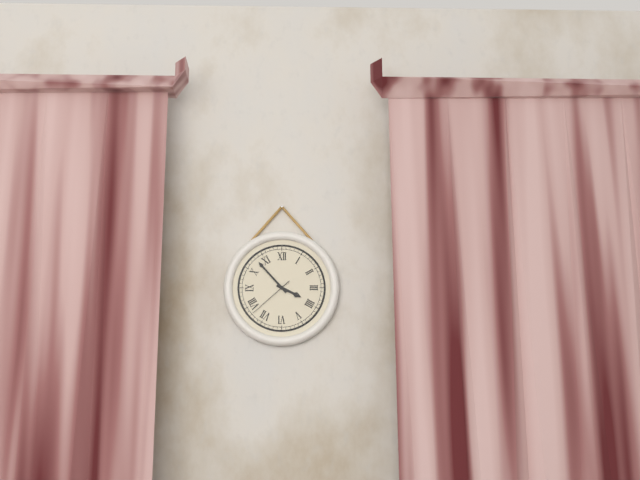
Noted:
**3:53**
